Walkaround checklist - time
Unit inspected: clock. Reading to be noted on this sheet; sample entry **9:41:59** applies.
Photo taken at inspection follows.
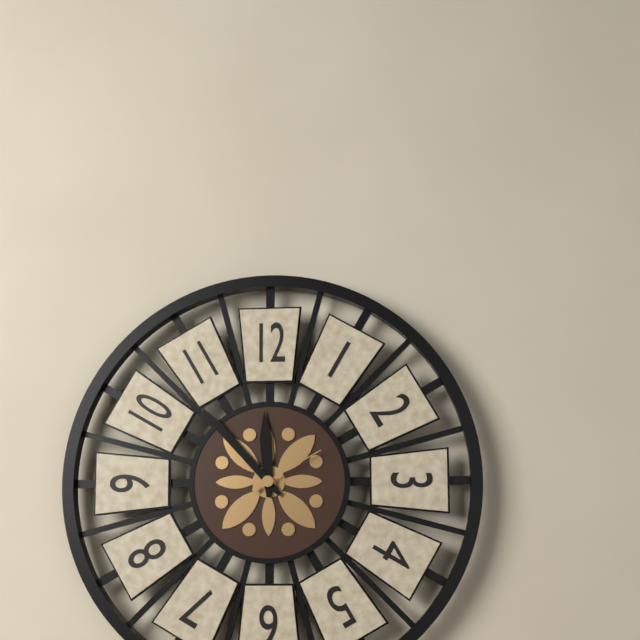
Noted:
**11:53:10**
